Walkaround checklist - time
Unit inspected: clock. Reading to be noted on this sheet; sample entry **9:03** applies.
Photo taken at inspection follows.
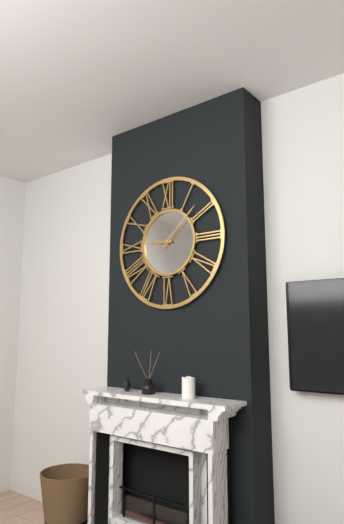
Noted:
**9:08**
